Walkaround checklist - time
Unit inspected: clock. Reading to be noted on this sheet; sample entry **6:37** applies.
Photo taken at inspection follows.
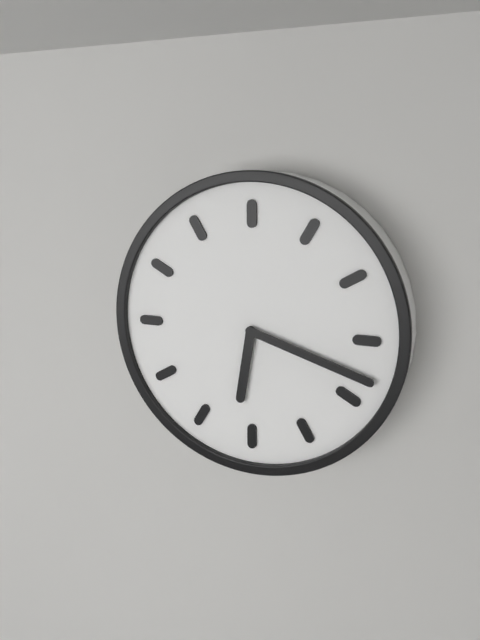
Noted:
**6:18**
